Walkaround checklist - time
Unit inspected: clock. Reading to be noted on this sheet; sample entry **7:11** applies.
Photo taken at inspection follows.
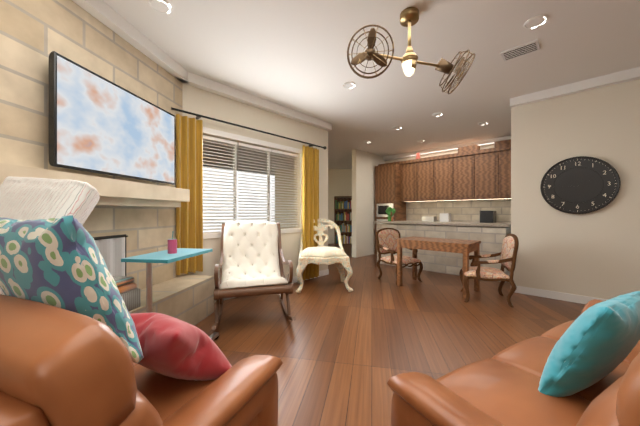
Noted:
**1:45**
